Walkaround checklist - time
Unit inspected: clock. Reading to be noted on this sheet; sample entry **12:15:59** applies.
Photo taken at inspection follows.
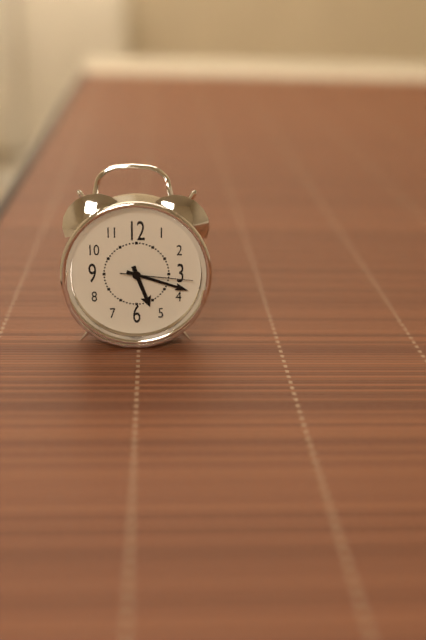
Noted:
**5:18:16**
